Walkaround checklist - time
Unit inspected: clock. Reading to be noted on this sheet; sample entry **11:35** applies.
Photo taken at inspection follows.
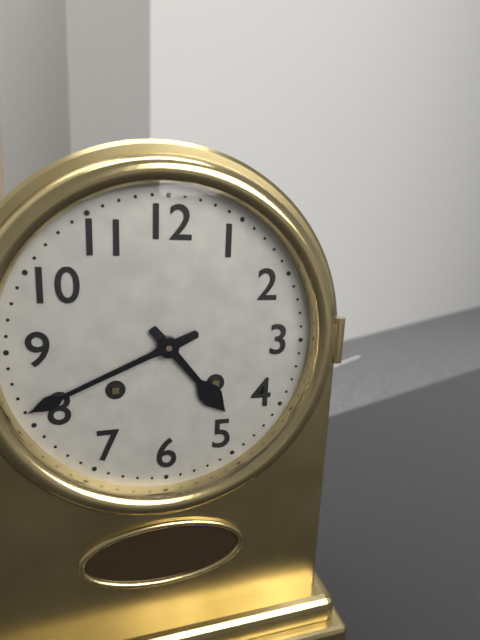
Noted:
**4:41**
